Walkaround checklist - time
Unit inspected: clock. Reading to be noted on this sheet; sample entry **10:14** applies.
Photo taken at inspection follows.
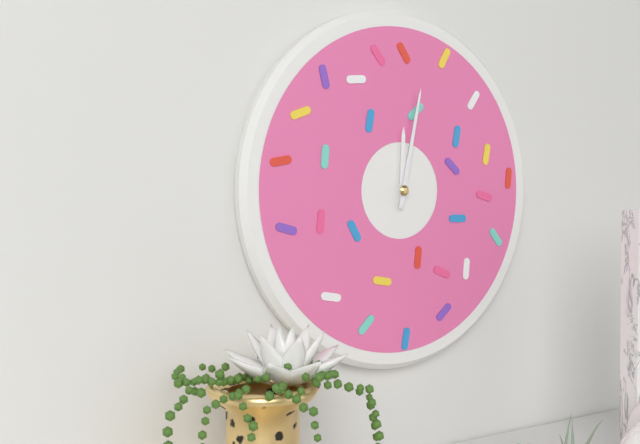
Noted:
**12:02**
